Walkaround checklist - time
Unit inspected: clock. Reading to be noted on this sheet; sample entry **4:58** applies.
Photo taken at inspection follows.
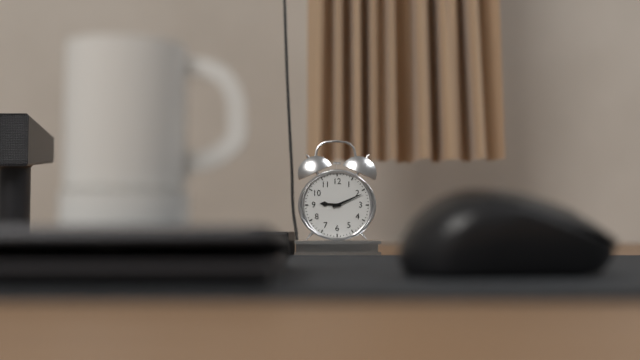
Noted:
**9:11**
